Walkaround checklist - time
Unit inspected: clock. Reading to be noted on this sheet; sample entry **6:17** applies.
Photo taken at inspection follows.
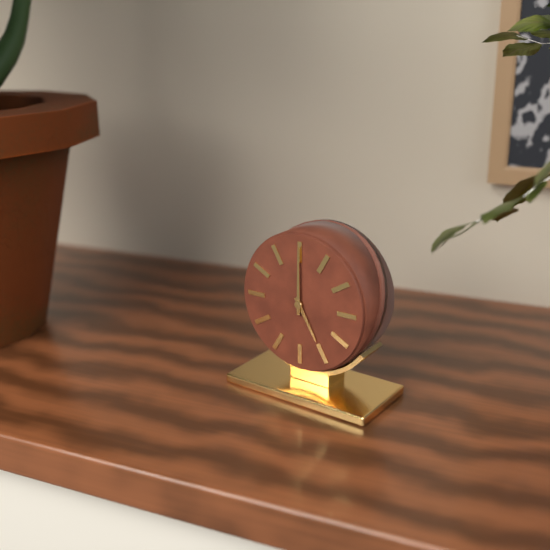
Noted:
**5:00**
